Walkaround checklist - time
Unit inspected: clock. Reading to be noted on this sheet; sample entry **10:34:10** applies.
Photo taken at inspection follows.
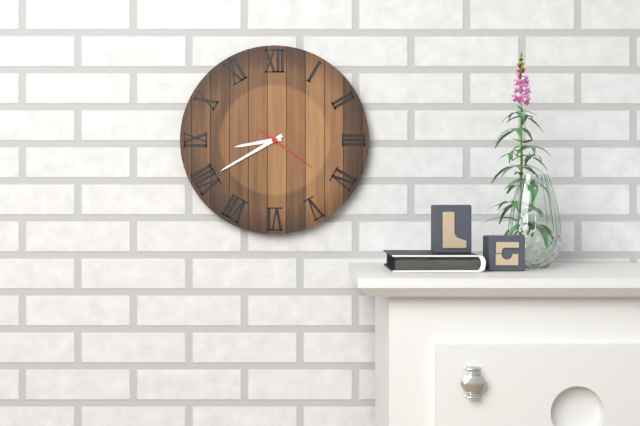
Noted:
**8:40:21**
